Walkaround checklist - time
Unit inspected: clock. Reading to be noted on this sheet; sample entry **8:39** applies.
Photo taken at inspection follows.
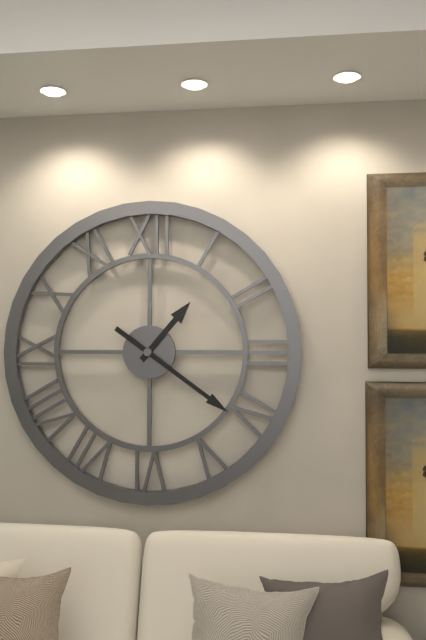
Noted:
**1:21**
